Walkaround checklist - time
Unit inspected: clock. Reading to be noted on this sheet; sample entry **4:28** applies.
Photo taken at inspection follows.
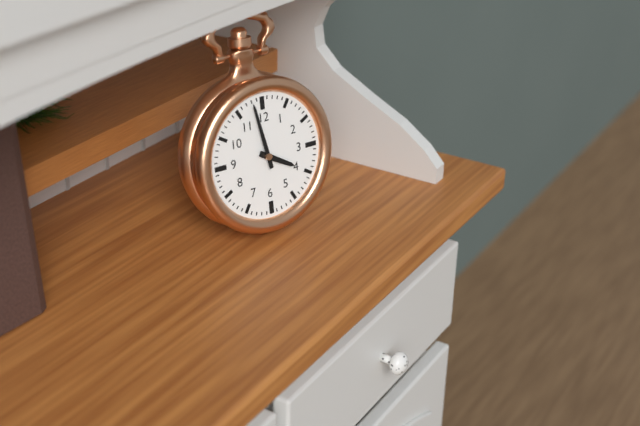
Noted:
**3:58**
